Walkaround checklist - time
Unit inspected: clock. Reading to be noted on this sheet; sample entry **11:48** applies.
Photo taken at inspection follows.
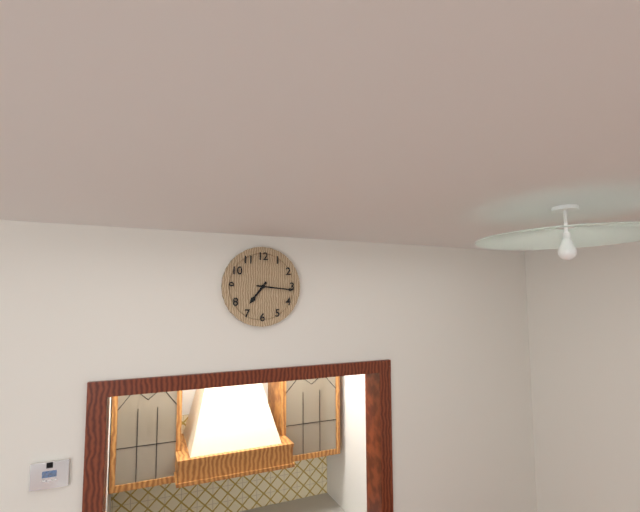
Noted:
**7:16**
